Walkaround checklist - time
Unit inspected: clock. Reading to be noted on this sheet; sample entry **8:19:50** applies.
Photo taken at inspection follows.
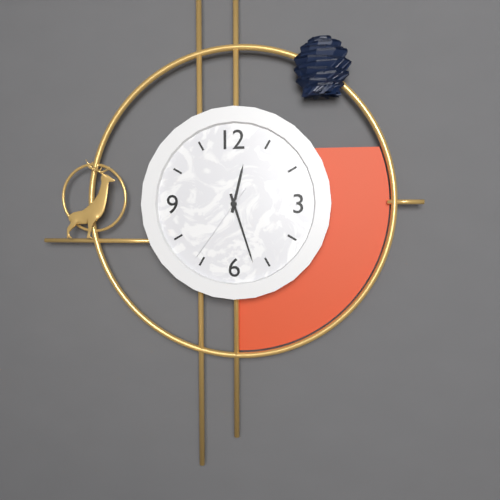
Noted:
**12:27:36**
